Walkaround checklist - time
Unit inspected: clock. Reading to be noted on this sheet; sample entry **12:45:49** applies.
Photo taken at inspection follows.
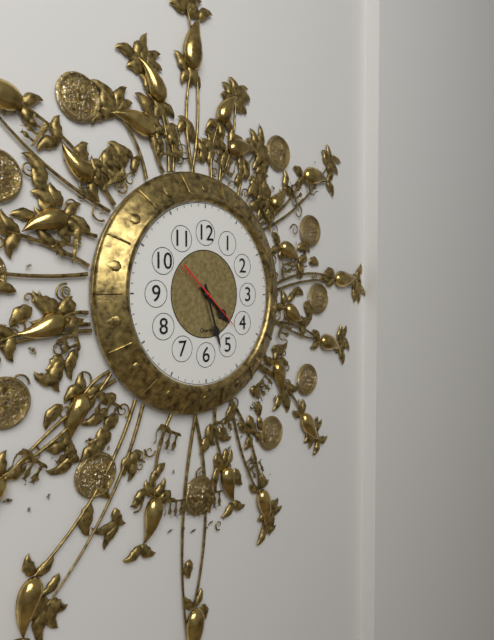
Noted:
**4:27:22**
